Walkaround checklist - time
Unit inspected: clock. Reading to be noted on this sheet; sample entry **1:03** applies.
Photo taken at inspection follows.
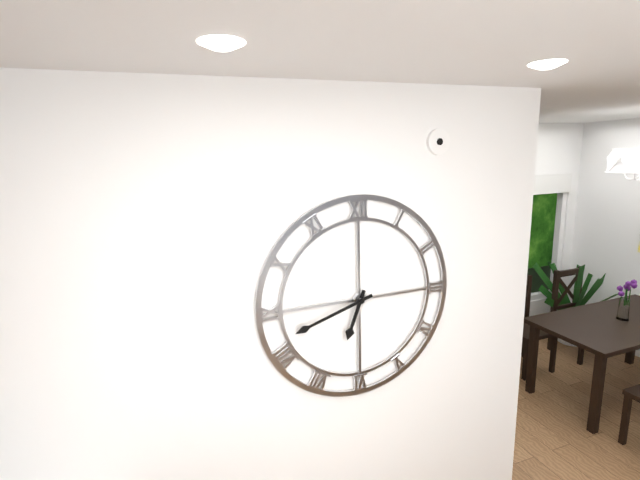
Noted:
**6:42**
